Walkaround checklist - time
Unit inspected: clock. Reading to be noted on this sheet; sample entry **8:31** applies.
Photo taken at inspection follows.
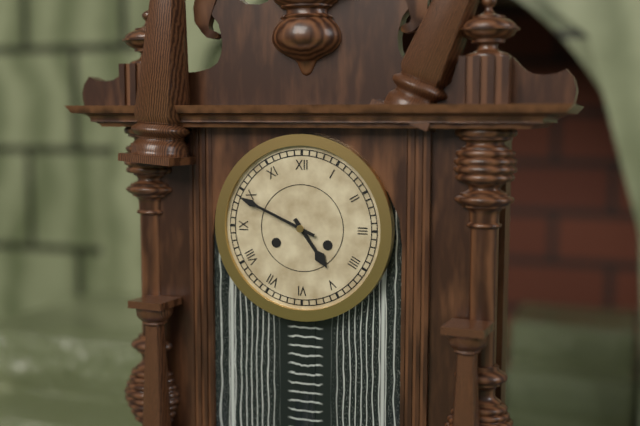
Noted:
**4:49**
